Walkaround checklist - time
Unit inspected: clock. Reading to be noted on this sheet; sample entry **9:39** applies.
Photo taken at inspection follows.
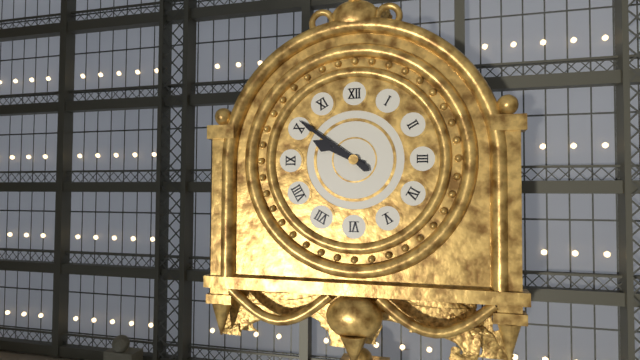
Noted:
**9:51**
